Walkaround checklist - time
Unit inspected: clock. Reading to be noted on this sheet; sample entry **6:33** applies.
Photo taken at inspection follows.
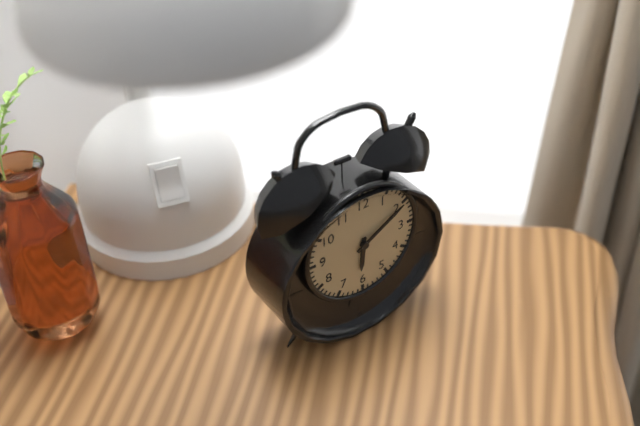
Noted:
**6:10**
